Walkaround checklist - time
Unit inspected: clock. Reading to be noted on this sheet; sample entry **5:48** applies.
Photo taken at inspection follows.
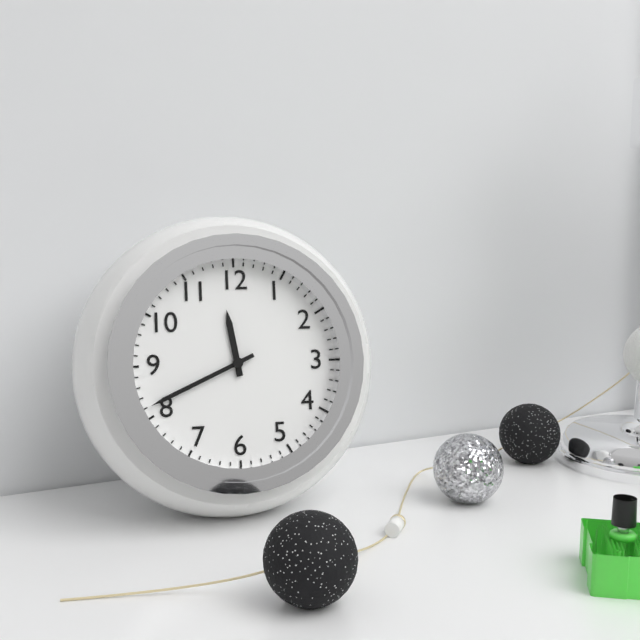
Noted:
**11:41**
